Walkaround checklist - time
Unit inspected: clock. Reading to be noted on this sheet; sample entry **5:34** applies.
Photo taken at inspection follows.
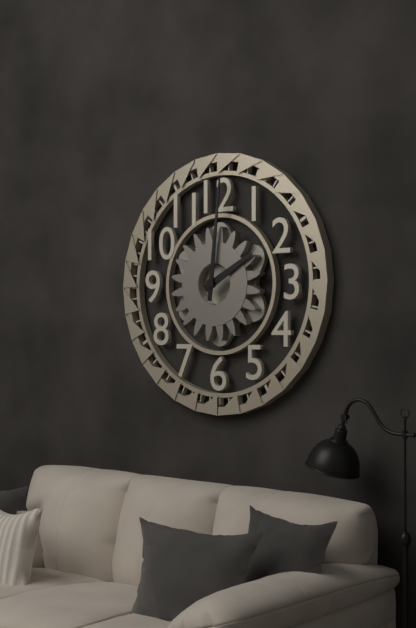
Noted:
**2:01**
